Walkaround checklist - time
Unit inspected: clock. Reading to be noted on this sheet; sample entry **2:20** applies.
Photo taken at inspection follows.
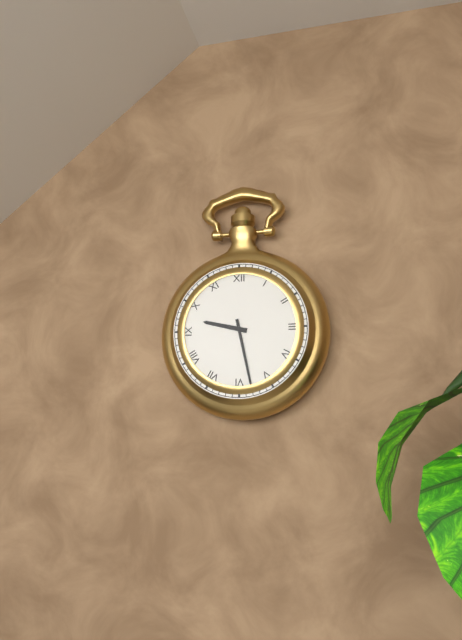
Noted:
**9:28**
